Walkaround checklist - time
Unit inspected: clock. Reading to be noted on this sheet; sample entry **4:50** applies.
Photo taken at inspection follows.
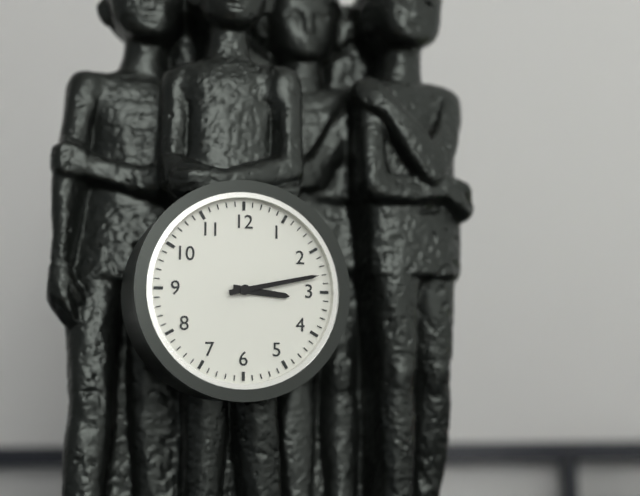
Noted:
**3:13**
